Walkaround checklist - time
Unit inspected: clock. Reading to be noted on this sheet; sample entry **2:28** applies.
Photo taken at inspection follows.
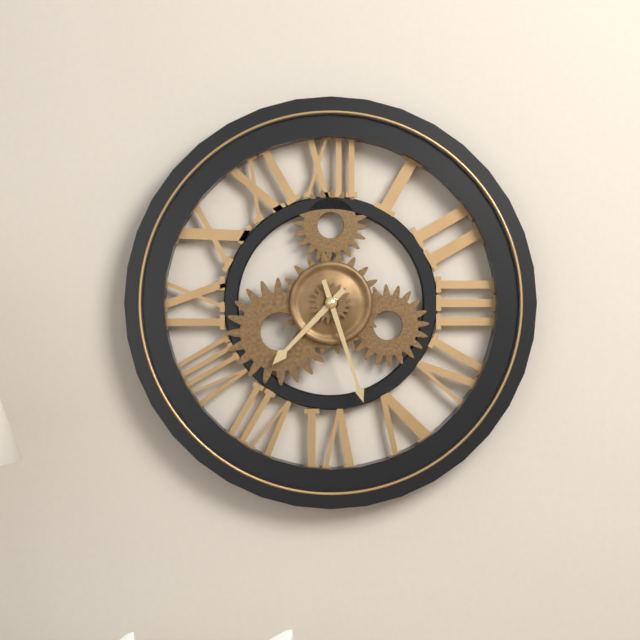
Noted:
**7:27**
